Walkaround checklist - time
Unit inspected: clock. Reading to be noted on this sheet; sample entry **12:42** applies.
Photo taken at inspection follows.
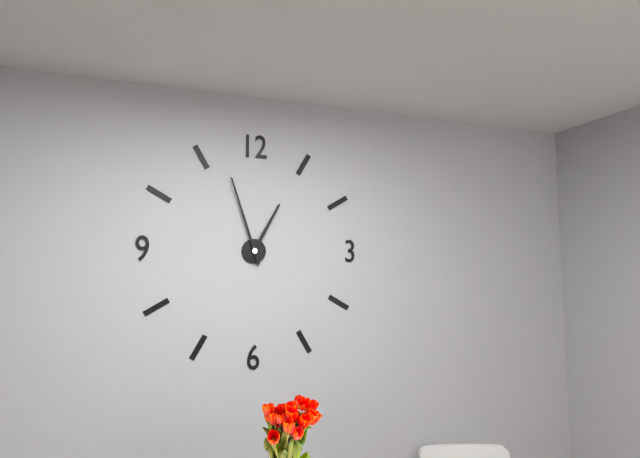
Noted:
**12:57**
